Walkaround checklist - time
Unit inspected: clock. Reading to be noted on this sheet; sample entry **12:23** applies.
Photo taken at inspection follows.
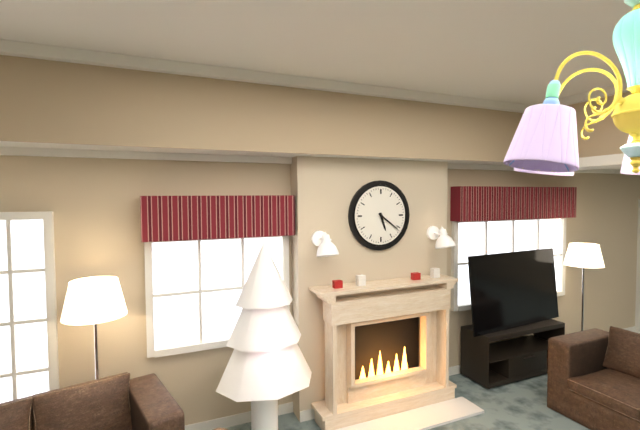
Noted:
**5:21**
